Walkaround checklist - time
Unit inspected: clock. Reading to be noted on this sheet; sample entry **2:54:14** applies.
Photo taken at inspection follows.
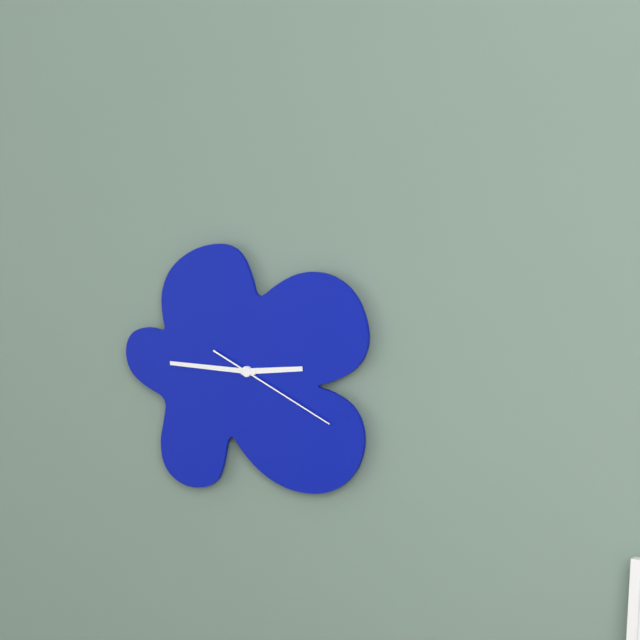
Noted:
**2:45:19**
